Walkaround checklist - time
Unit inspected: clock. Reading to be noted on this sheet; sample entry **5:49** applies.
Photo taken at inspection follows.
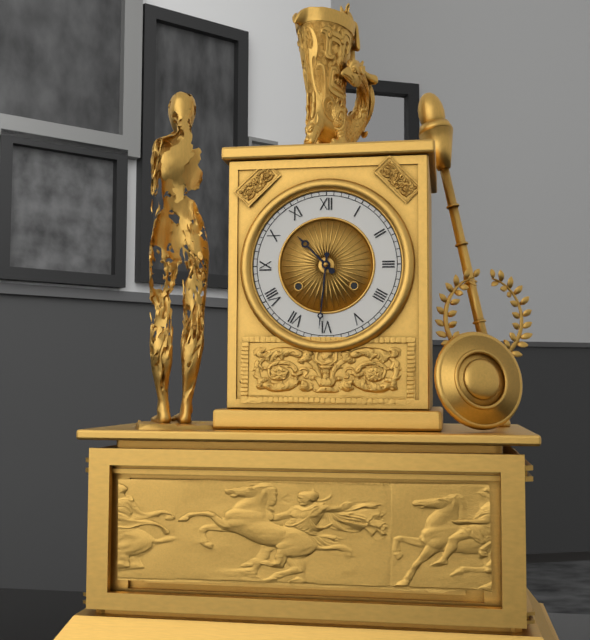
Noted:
**10:31**
